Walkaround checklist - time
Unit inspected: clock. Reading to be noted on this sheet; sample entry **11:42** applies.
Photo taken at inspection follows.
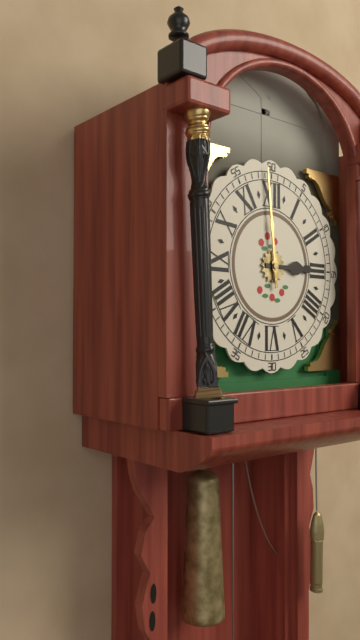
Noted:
**2:59**
